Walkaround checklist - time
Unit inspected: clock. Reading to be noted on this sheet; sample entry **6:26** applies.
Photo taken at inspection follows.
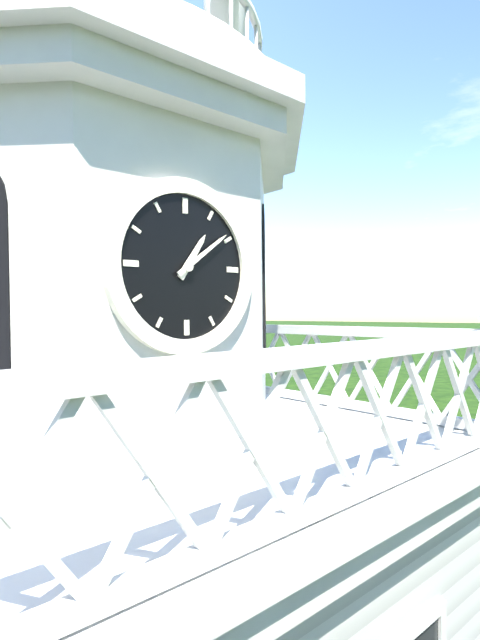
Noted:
**1:09**
